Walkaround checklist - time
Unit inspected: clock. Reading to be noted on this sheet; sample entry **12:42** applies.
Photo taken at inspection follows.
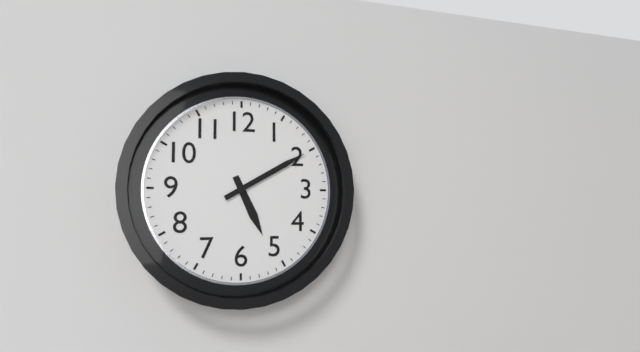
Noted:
**5:10**
